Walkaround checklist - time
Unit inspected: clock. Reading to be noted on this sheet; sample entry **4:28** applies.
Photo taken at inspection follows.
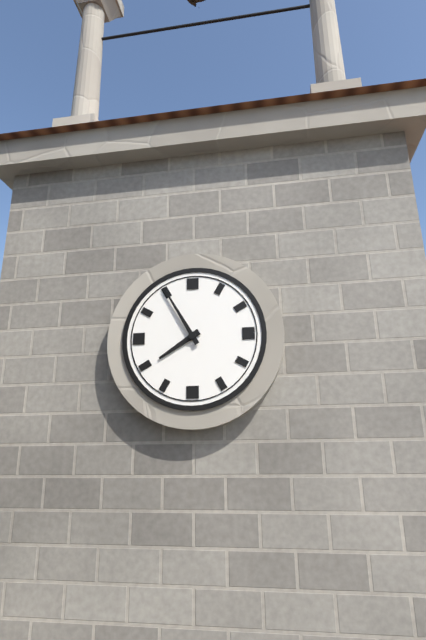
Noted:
**7:55**
